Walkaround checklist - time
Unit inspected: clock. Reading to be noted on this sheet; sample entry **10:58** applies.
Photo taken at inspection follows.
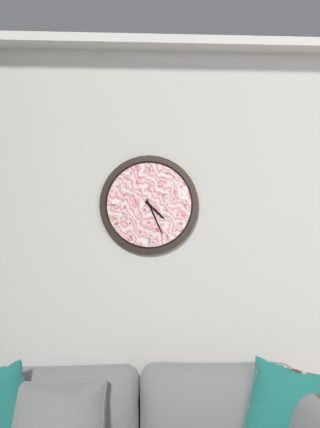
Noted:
**4:26**
